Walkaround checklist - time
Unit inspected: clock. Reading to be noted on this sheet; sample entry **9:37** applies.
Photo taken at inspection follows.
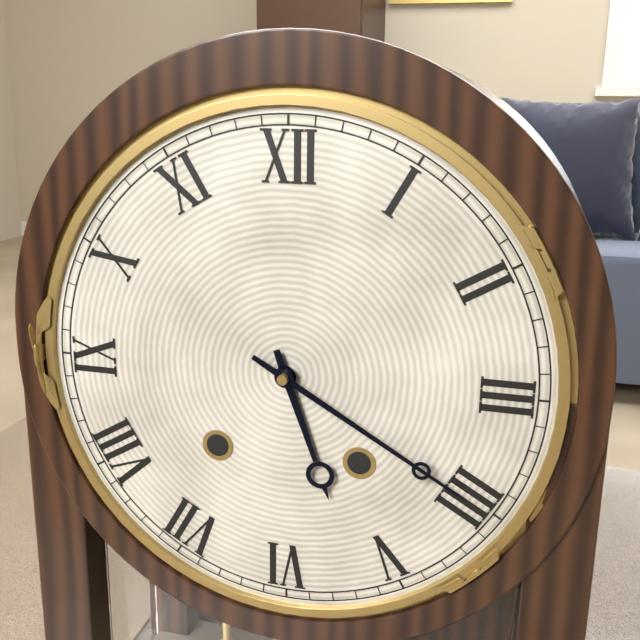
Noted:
**5:20**
